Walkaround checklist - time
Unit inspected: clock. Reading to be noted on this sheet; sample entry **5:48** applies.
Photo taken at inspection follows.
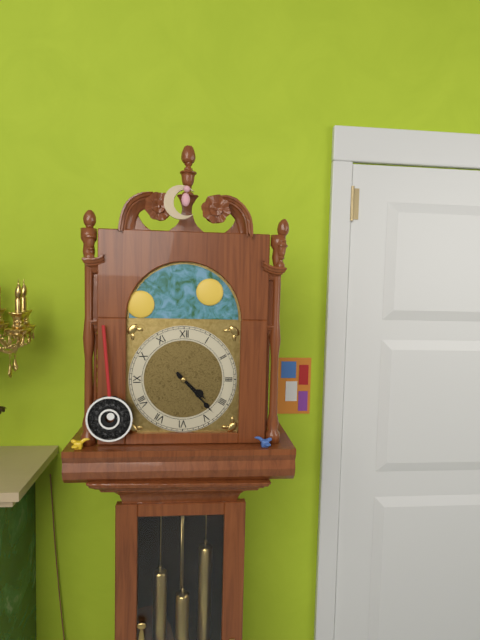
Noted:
**4:23**
